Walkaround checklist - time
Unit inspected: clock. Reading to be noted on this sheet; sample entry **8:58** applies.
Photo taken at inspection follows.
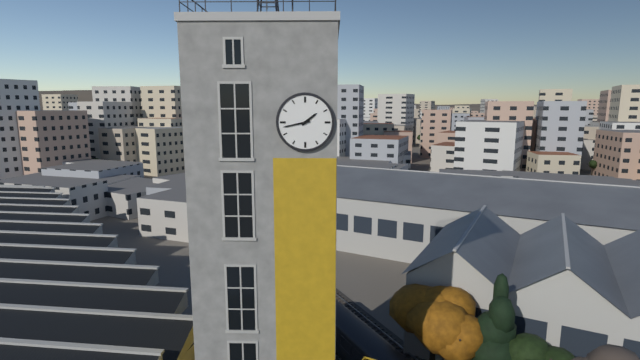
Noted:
**1:43**
